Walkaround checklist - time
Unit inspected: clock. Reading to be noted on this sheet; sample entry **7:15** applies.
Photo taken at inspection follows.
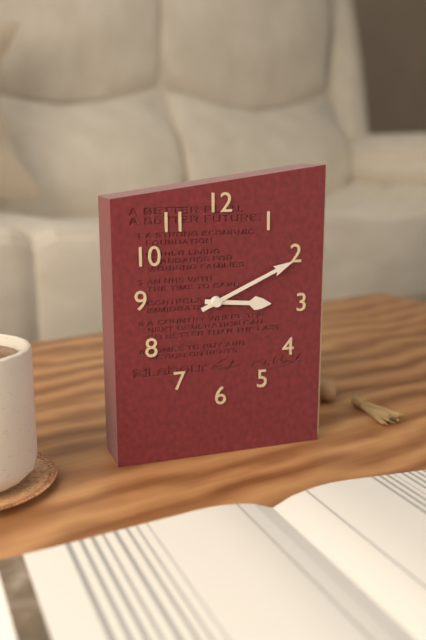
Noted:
**3:11**
